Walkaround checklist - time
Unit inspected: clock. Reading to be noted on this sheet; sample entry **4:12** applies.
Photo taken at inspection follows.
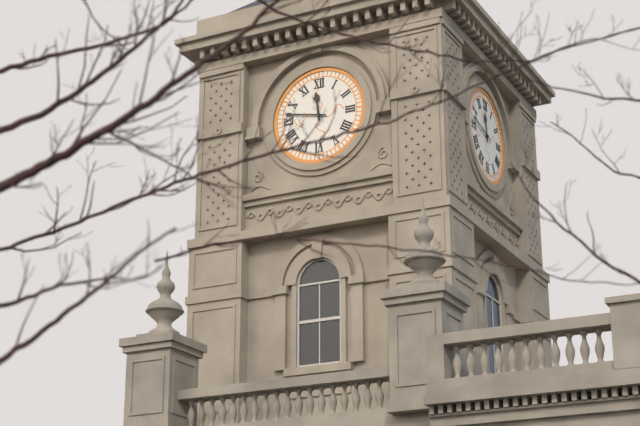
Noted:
**11:47**
